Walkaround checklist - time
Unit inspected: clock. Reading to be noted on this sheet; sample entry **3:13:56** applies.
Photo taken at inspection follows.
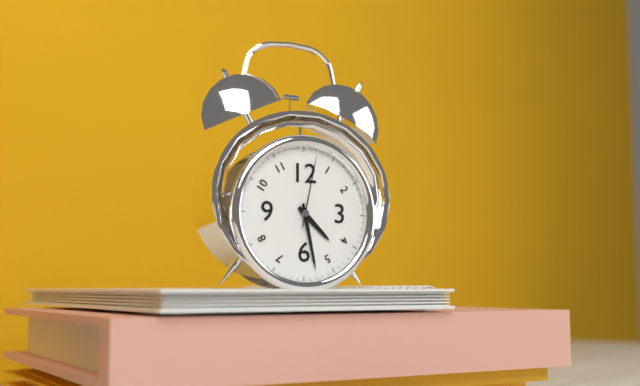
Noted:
**4:28:02**
